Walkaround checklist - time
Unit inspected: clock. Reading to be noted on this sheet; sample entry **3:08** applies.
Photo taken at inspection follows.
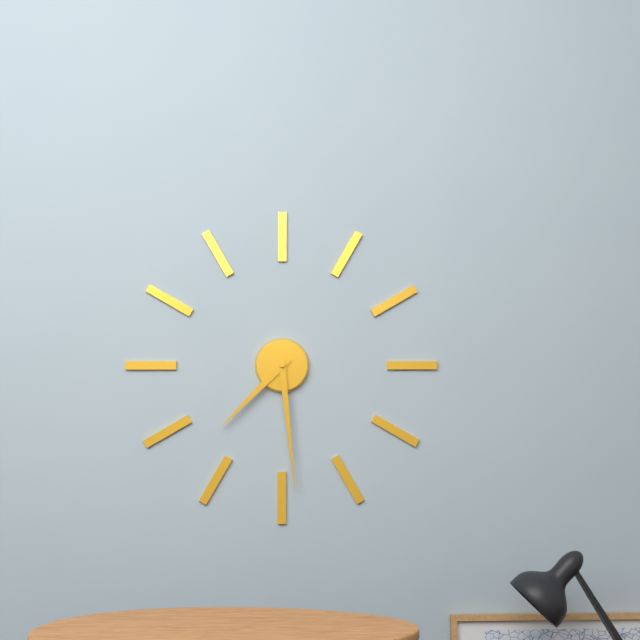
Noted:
**7:29**
